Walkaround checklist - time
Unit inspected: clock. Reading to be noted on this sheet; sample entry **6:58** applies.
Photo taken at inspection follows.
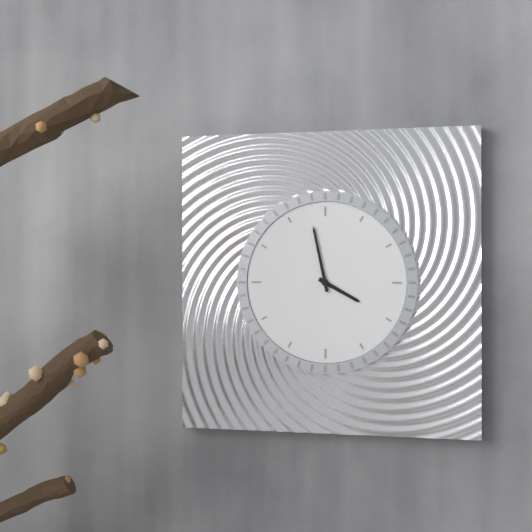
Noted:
**3:58**
